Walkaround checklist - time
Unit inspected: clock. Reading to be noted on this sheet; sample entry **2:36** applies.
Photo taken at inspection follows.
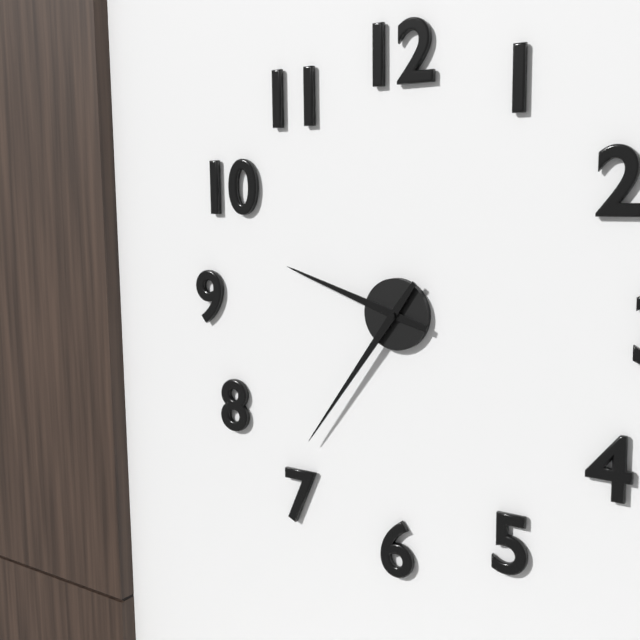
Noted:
**9:36**
